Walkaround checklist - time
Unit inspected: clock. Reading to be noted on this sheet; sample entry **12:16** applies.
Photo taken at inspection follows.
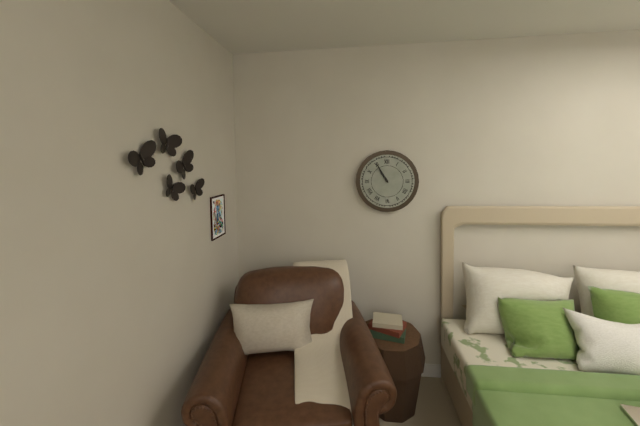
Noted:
**10:55**
